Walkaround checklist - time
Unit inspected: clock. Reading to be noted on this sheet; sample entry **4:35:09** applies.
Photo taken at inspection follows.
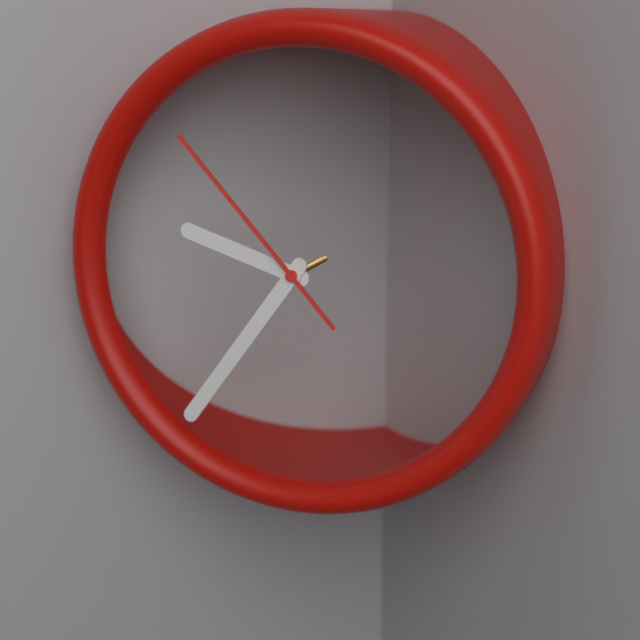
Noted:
**9:36:53**
